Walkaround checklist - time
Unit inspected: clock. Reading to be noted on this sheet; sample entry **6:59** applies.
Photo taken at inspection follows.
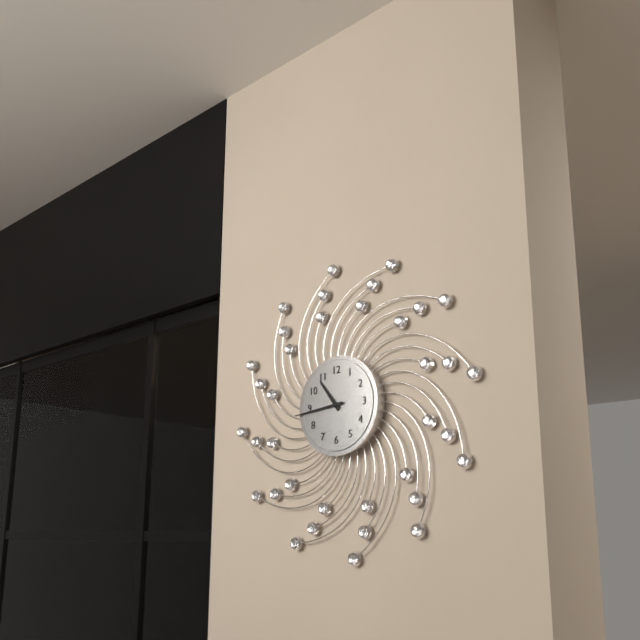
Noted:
**10:44**
